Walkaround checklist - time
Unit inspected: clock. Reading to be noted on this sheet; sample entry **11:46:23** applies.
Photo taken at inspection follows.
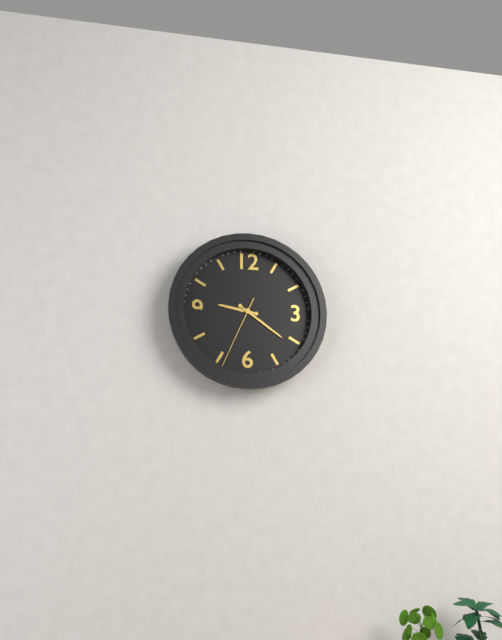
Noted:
**9:21:34**
